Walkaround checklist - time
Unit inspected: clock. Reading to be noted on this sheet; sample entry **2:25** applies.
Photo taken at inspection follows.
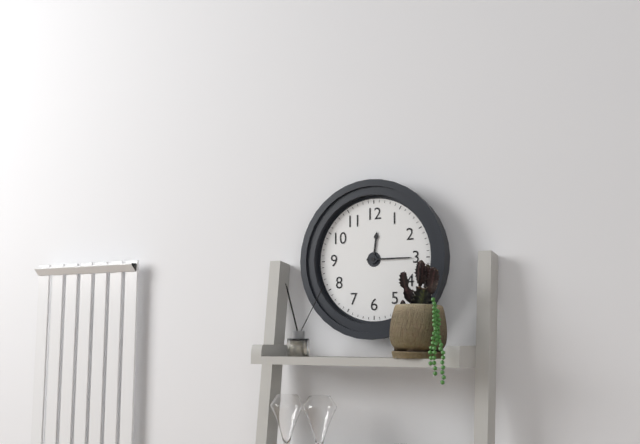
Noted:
**12:15**
